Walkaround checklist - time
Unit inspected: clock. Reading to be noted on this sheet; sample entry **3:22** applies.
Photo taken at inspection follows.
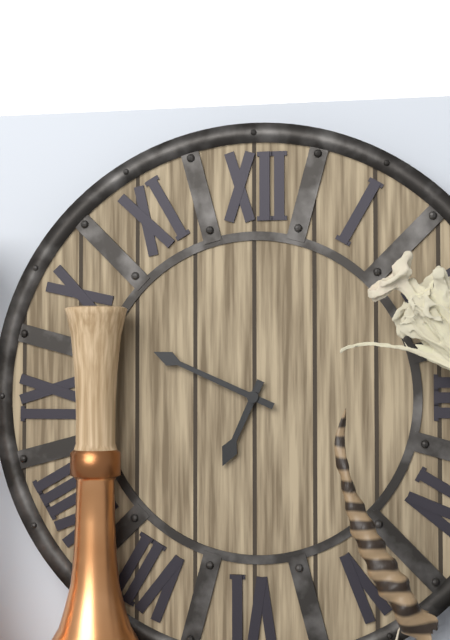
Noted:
**6:49**
